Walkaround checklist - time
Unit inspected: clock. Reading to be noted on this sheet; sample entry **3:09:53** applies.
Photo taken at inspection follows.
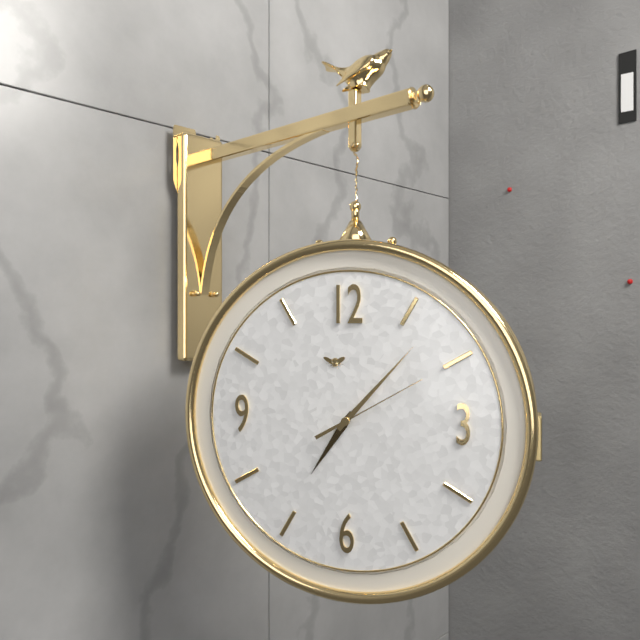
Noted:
**7:07:10**
